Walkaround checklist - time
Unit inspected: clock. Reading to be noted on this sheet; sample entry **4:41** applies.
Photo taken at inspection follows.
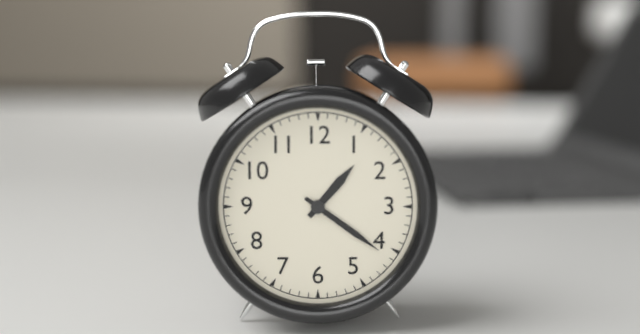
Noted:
**1:21**
